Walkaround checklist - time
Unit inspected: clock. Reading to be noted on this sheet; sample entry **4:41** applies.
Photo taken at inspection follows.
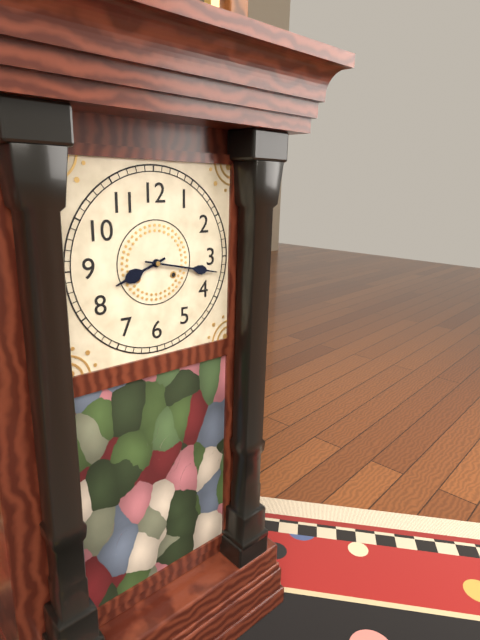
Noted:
**8:17**
